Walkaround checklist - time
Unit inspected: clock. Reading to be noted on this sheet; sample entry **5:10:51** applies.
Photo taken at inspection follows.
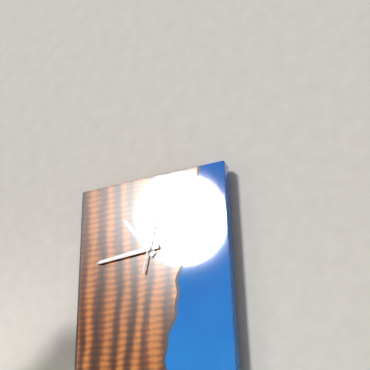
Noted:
**10:44:02**
